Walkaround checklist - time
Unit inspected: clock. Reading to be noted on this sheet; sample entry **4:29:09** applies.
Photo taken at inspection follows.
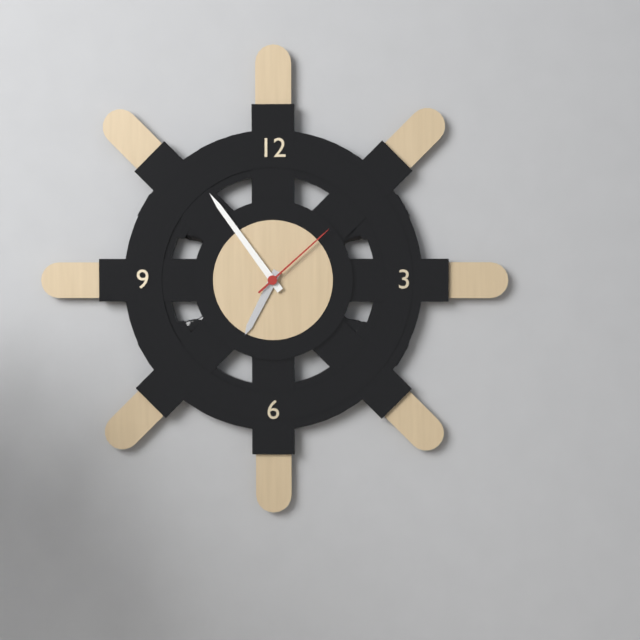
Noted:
**6:54:08**
